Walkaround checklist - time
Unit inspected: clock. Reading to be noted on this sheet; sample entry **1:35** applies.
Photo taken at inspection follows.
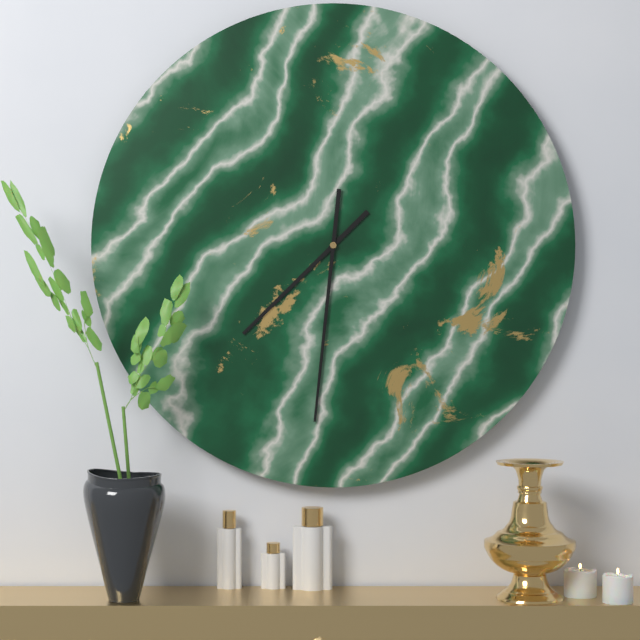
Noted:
**7:31**
